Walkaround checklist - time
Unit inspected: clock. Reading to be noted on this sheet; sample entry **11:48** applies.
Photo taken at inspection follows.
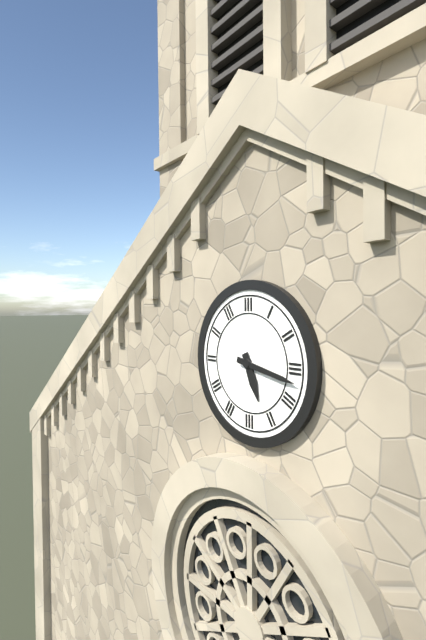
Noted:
**5:17**
